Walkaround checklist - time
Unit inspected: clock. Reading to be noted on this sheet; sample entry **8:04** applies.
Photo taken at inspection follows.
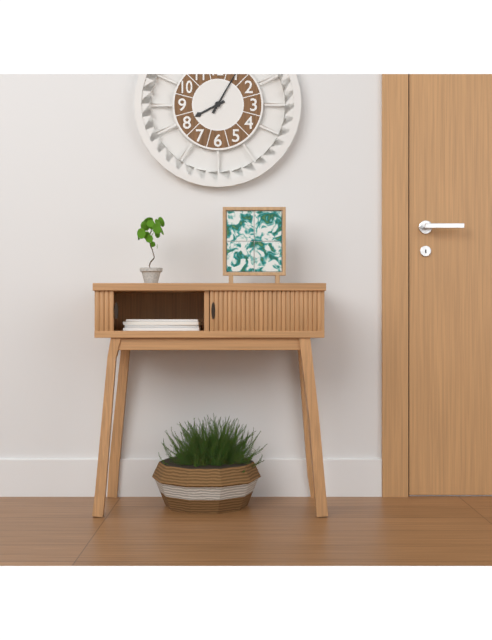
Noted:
**8:05**
